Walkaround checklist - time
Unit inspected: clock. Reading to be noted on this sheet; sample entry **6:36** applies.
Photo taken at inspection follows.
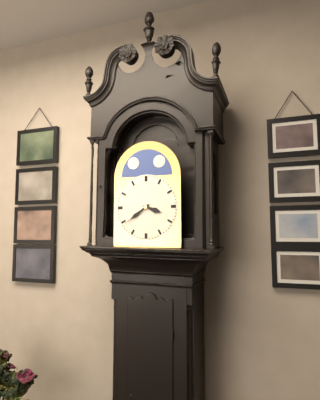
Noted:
**3:39**
